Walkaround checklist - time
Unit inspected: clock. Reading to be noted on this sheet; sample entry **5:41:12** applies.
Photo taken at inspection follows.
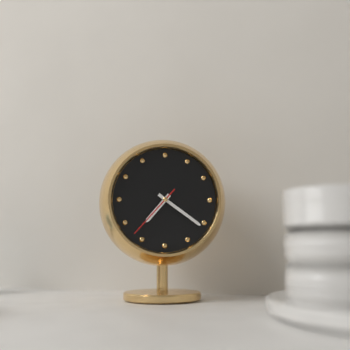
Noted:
**7:21:37**
